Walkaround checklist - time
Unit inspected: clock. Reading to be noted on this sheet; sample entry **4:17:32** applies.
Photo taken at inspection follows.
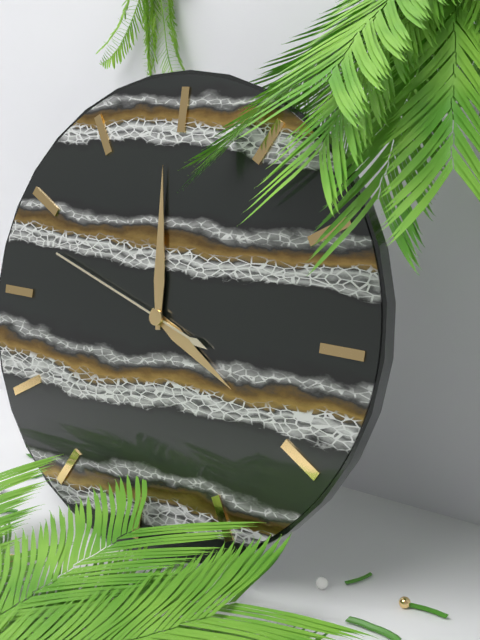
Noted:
**3:59:48**
